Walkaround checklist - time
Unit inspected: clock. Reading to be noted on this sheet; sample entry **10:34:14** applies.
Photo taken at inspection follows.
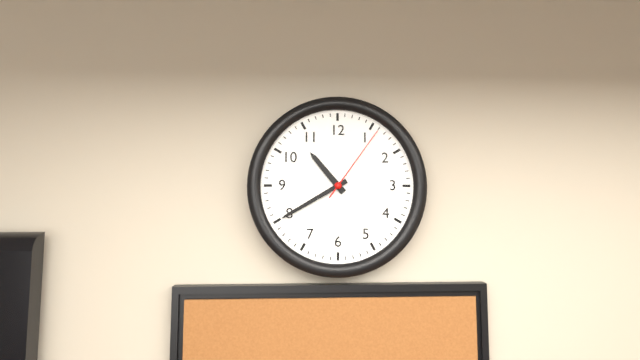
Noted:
**10:40:06**
